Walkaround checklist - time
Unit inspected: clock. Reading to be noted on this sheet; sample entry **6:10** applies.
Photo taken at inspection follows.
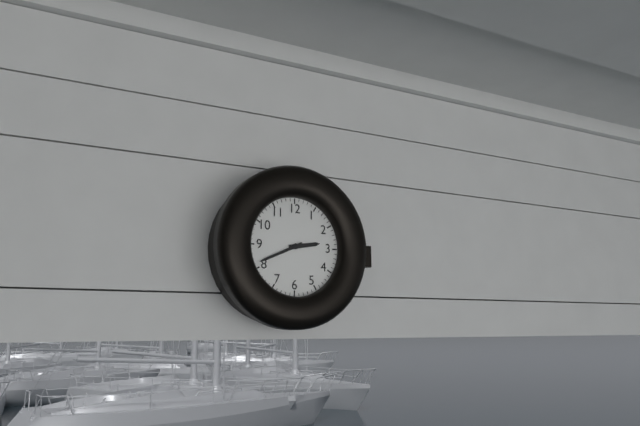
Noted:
**2:41**
